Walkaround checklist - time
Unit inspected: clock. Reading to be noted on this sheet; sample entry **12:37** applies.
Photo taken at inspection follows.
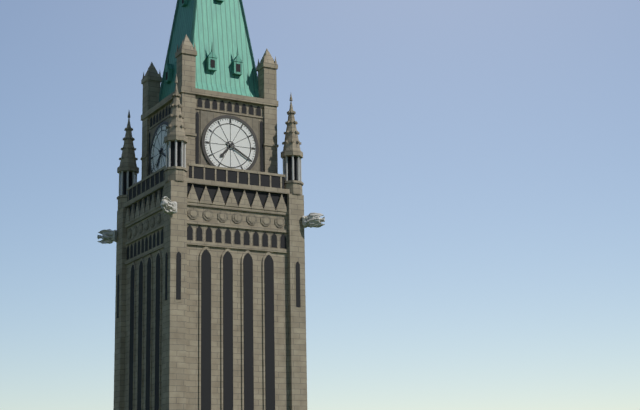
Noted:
**7:20**
